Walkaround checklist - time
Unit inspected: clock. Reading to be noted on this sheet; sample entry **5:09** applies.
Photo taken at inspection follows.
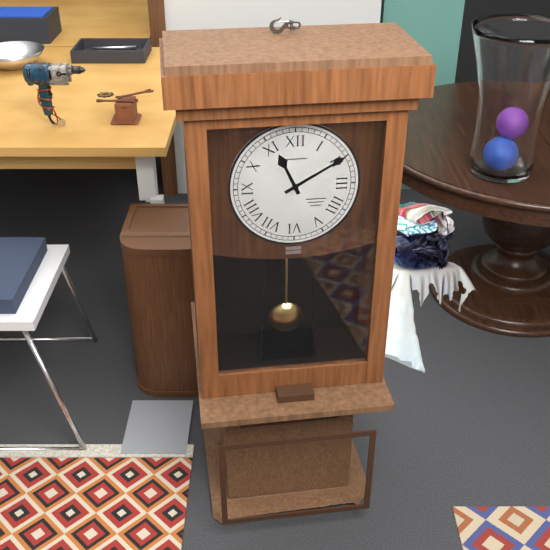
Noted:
**11:10**
